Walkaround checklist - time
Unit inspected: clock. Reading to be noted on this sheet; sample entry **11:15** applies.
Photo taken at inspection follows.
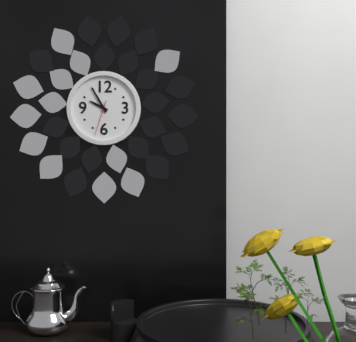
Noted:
**9:55**
